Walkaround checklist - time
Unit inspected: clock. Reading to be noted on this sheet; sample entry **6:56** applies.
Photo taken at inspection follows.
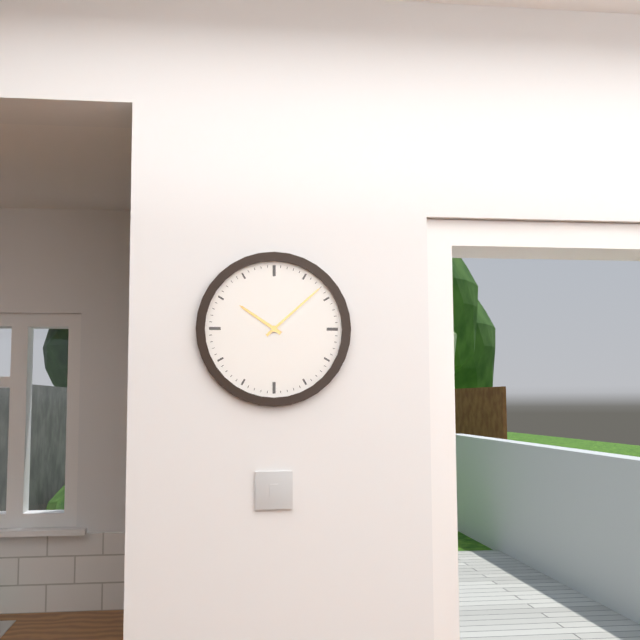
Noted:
**10:08**
